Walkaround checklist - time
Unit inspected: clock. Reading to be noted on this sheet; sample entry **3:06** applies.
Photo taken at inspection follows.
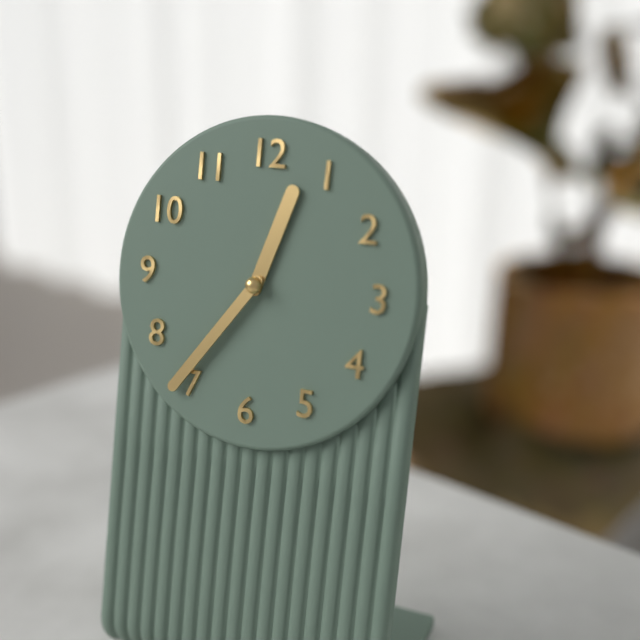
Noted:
**12:36**
